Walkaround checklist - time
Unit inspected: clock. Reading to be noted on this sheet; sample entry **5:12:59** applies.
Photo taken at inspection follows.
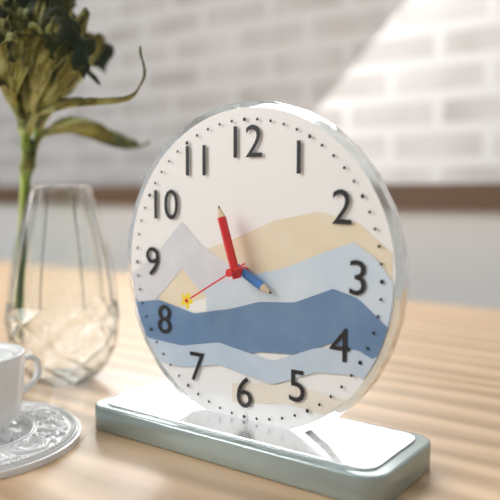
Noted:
**3:57:40**
